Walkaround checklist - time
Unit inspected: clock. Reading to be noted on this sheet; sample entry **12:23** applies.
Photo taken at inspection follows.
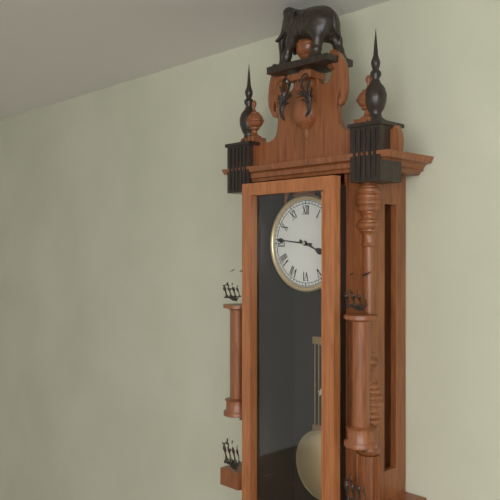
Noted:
**3:46**
